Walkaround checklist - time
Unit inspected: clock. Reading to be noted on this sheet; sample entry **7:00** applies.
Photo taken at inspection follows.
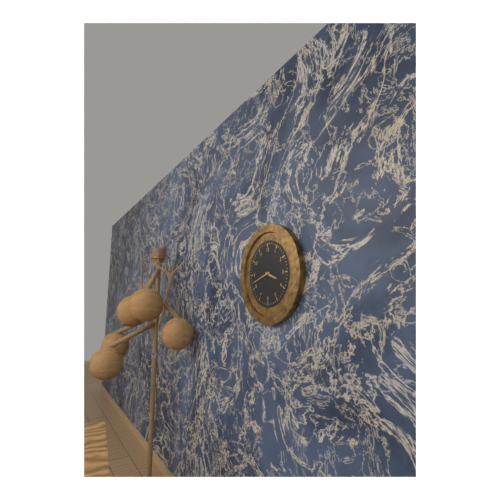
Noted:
**3:42**
